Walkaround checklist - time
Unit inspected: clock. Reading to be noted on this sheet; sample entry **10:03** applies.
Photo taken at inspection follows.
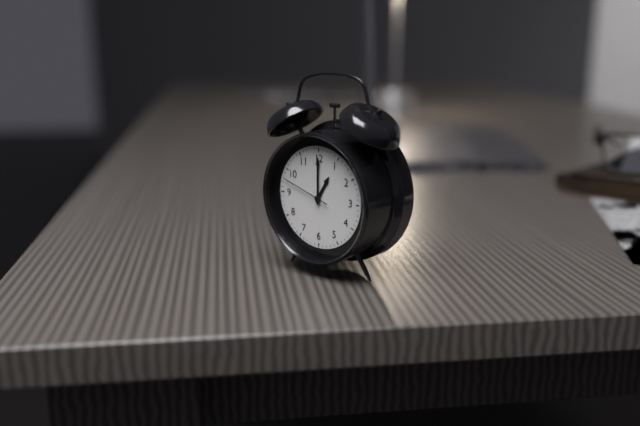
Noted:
**1:00**
